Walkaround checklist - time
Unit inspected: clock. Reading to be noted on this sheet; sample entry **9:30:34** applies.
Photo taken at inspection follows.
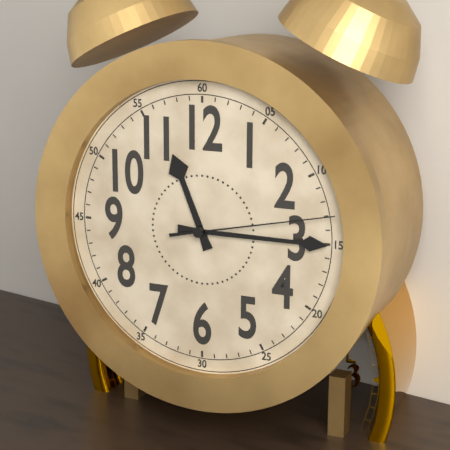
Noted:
**11:15:13**
